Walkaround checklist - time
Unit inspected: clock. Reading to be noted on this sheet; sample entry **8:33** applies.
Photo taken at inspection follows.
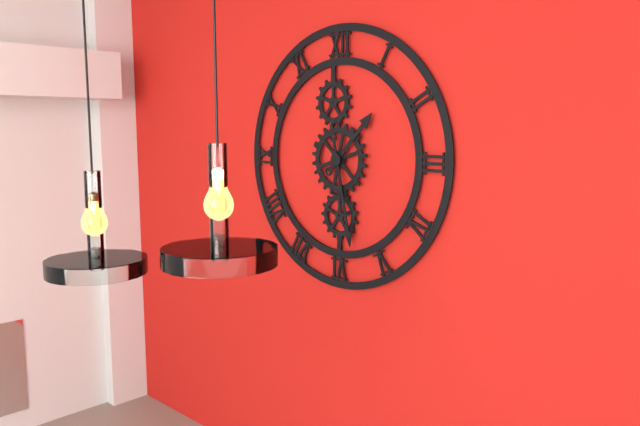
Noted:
**1:28**
